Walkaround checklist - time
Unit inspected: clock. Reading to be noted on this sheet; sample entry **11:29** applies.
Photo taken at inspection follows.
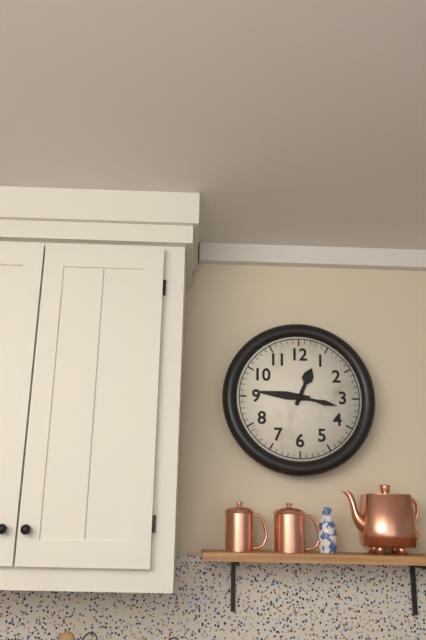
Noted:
**12:46**
